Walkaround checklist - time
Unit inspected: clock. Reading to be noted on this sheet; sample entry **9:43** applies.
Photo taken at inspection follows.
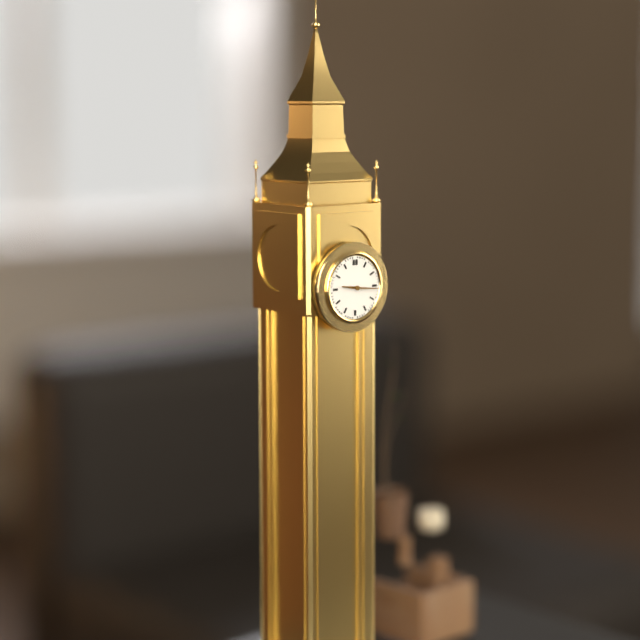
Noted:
**9:16**
